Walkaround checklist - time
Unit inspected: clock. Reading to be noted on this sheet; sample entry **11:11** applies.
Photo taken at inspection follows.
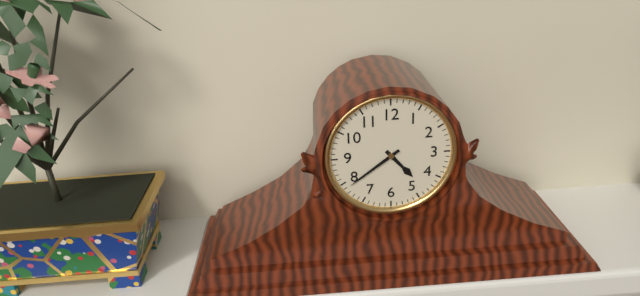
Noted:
**4:39**
